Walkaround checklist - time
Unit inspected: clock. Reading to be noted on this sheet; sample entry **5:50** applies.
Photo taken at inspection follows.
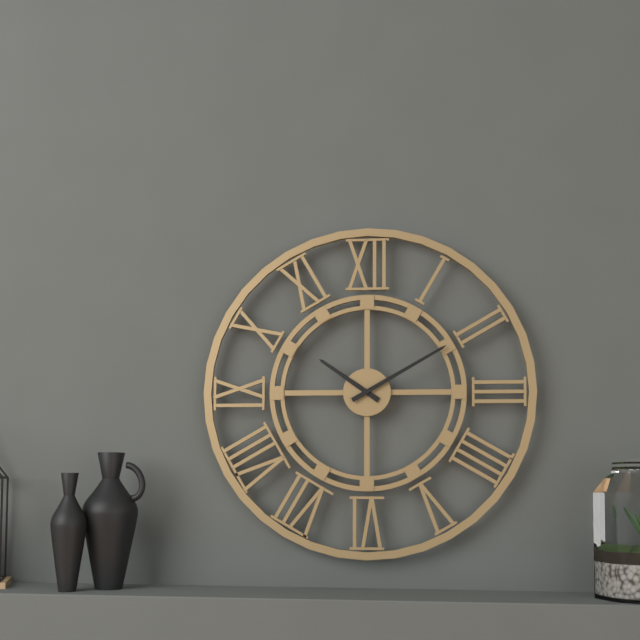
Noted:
**10:10**
